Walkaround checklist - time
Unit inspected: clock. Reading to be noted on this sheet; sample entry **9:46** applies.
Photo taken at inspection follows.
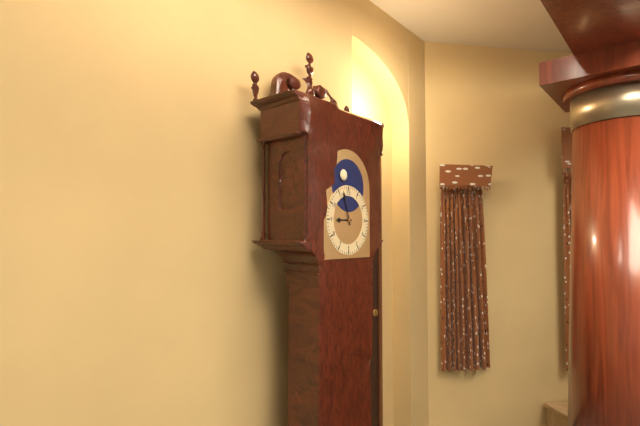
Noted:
**8:57**
